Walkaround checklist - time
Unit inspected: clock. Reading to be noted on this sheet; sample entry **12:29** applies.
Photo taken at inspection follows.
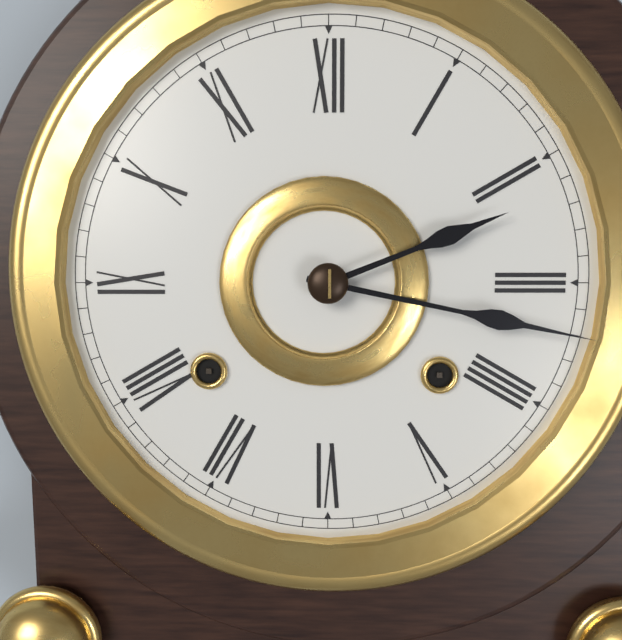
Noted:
**2:17**
